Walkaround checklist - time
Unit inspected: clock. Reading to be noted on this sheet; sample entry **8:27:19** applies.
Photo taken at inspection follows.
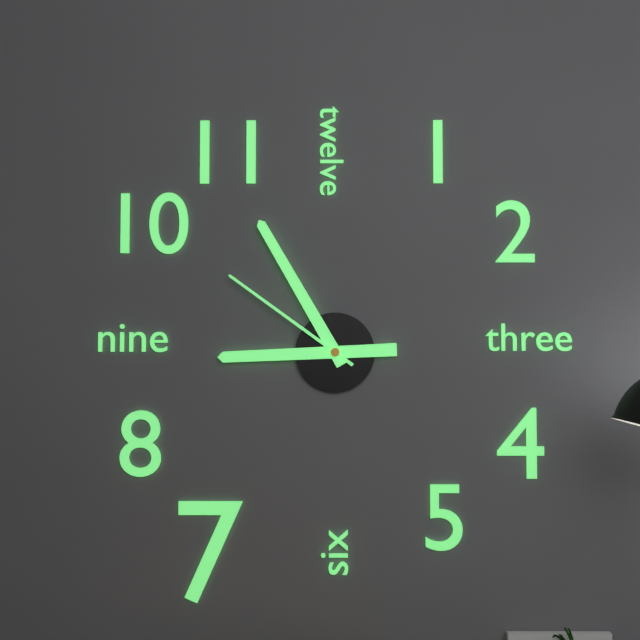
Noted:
**8:55:51**
